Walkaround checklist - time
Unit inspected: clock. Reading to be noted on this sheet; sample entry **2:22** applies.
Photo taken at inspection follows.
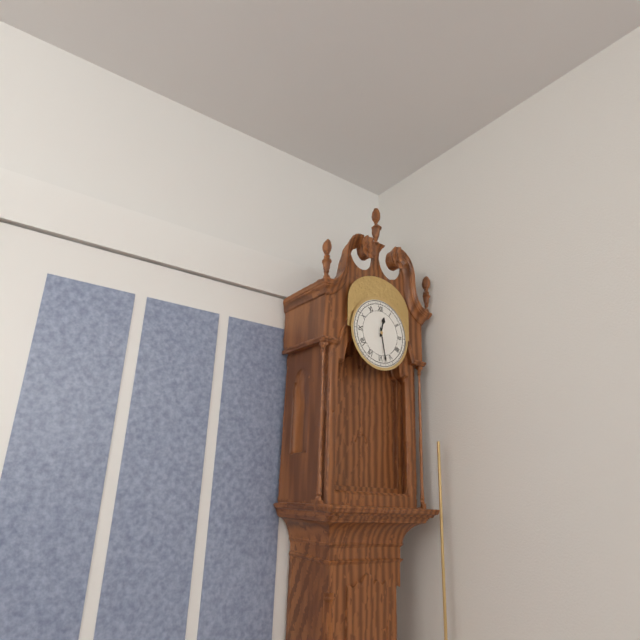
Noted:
**12:28**
